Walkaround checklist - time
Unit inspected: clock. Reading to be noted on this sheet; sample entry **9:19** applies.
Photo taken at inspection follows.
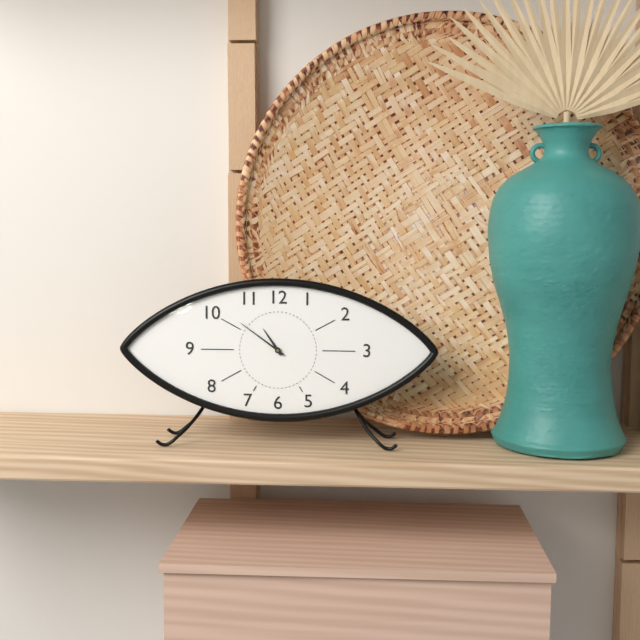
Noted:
**10:51**
